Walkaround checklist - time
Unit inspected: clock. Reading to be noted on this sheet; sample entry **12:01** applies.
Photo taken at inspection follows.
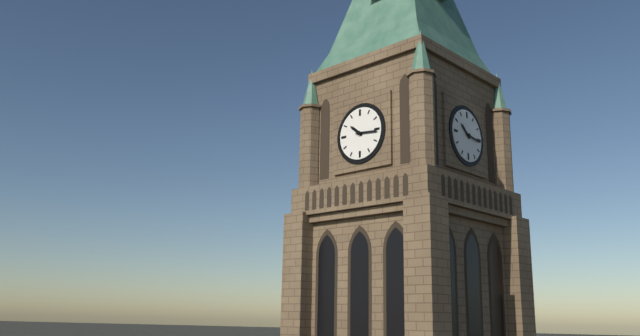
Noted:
**10:16**
